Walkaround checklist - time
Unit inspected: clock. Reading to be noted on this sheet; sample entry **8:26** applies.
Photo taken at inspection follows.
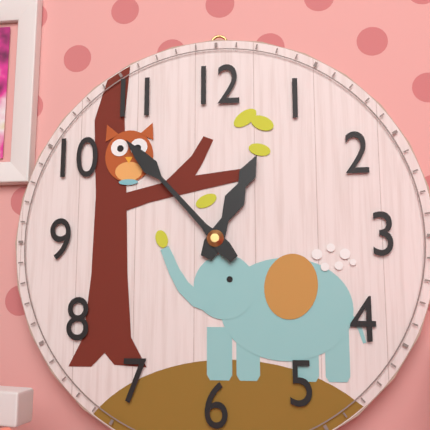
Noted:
**12:53**
